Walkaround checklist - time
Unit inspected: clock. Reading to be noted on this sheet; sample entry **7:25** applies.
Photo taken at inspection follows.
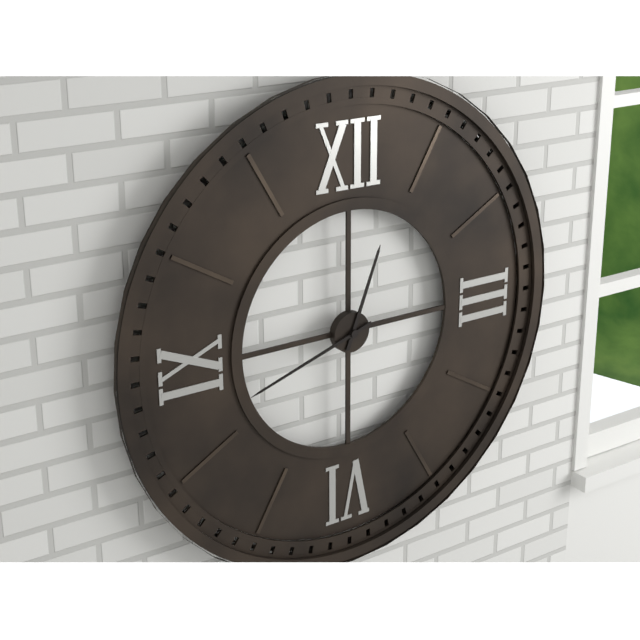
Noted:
**12:42**
